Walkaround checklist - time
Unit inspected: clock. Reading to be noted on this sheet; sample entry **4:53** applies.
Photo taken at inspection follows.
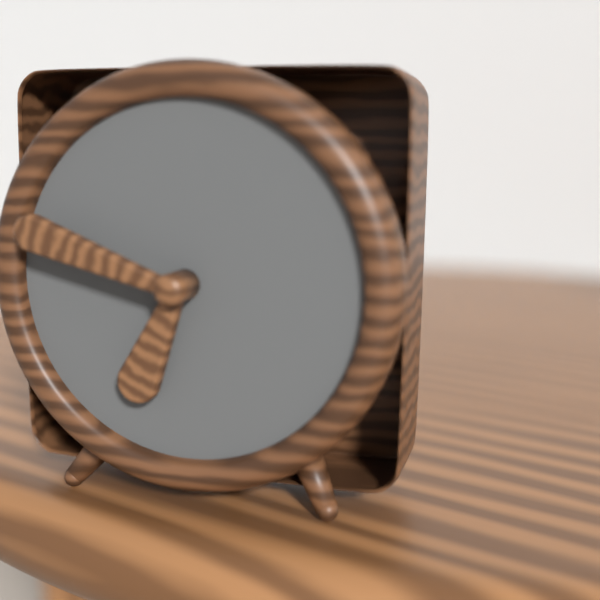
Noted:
**6:48**
